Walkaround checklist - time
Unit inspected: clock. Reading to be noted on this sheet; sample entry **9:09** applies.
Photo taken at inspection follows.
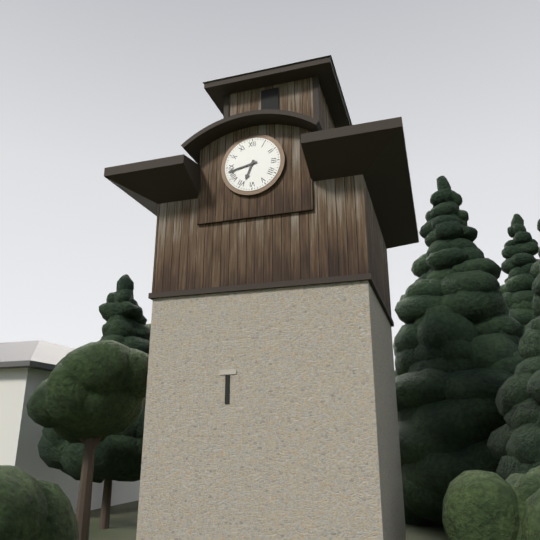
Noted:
**6:43**
